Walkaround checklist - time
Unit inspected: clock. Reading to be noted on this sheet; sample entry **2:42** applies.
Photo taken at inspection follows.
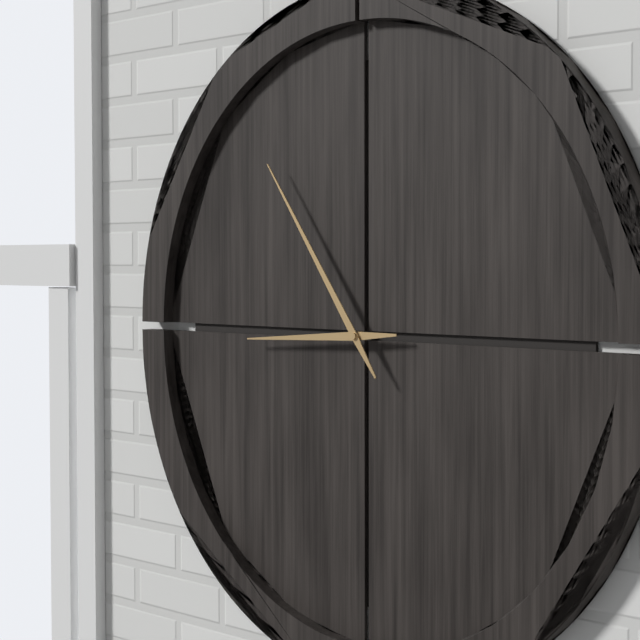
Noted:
**8:54**
